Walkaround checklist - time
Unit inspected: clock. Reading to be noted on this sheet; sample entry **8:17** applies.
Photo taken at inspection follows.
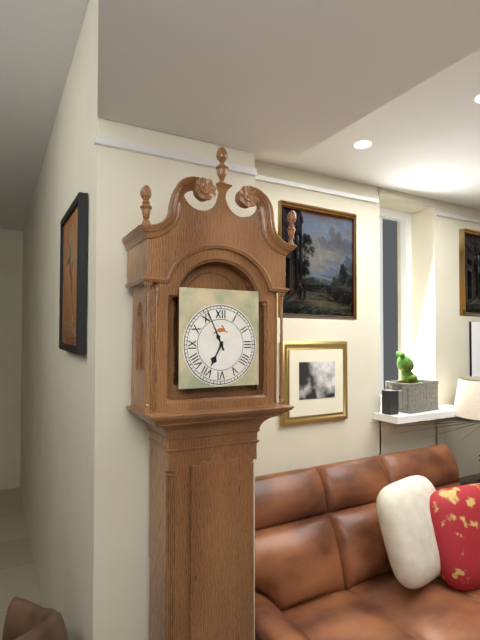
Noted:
**6:56**
